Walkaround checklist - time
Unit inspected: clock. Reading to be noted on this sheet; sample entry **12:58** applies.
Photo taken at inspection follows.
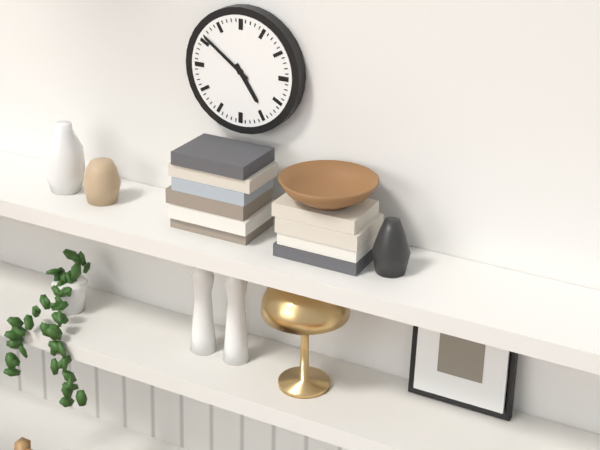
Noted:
**4:51**
